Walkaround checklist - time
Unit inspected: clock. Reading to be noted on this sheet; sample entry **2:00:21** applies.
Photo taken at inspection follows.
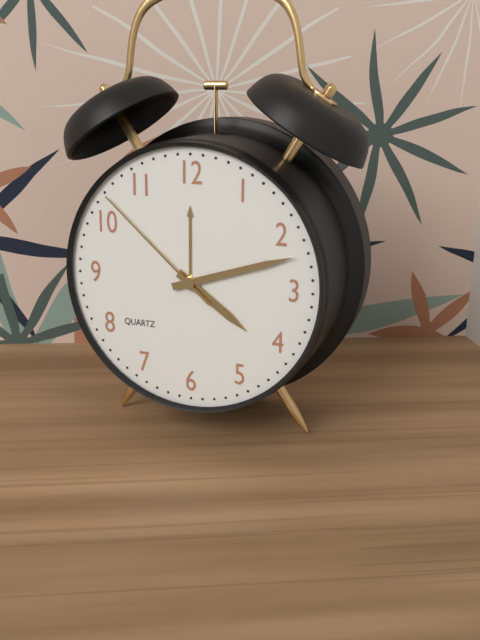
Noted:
**4:12:52**
